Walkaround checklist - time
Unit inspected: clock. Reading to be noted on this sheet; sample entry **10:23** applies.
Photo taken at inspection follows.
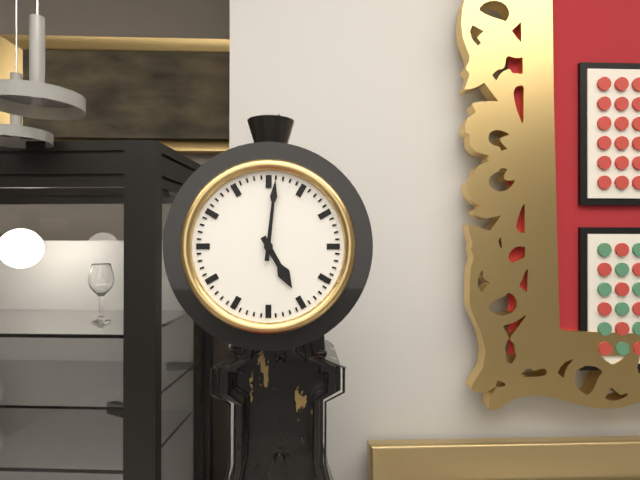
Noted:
**5:01**
